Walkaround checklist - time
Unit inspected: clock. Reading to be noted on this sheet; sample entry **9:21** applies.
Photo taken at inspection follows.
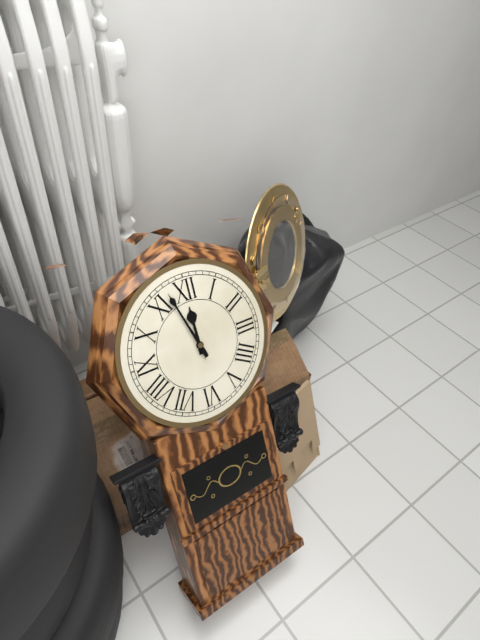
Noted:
**11:57**
